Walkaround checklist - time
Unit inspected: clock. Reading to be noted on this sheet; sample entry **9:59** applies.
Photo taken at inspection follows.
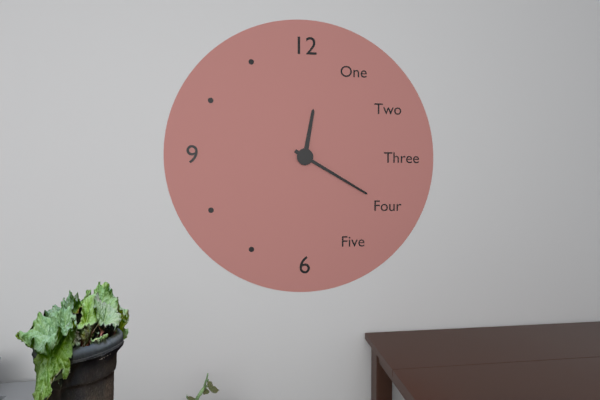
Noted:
**12:20**
